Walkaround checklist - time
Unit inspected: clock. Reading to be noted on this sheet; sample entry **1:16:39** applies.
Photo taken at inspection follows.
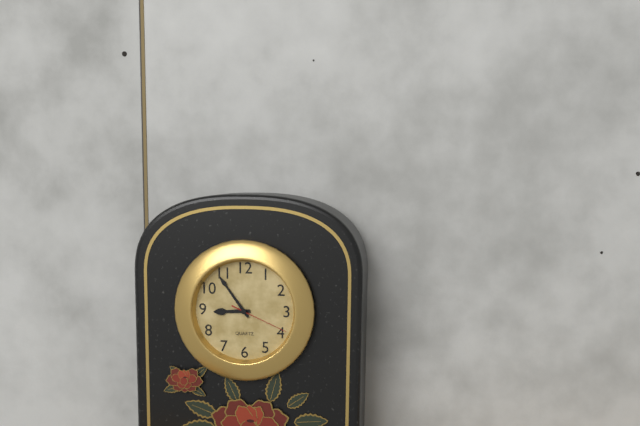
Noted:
**8:54:19**
